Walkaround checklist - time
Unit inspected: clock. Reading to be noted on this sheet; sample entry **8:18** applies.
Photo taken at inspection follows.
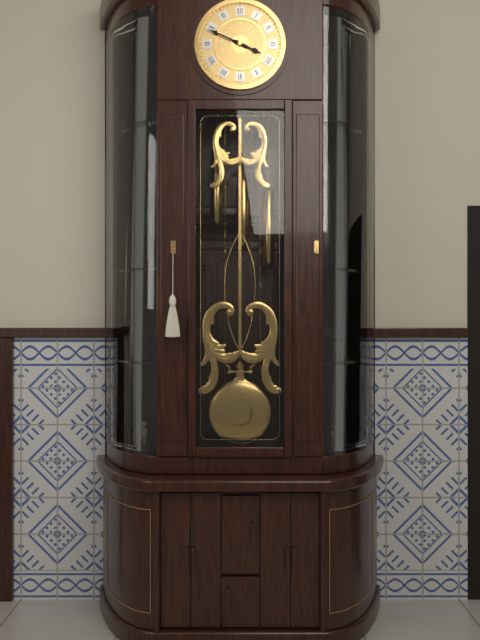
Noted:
**3:49**
